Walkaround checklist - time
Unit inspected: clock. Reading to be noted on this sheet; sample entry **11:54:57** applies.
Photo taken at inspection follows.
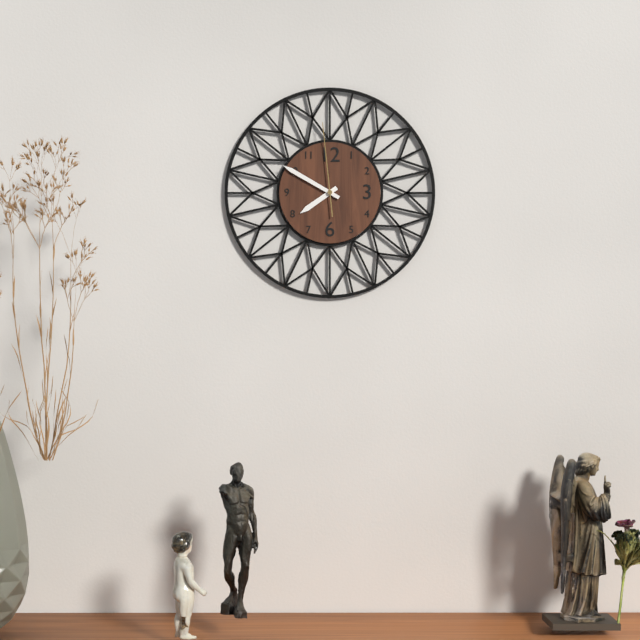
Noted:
**7:50:59**
